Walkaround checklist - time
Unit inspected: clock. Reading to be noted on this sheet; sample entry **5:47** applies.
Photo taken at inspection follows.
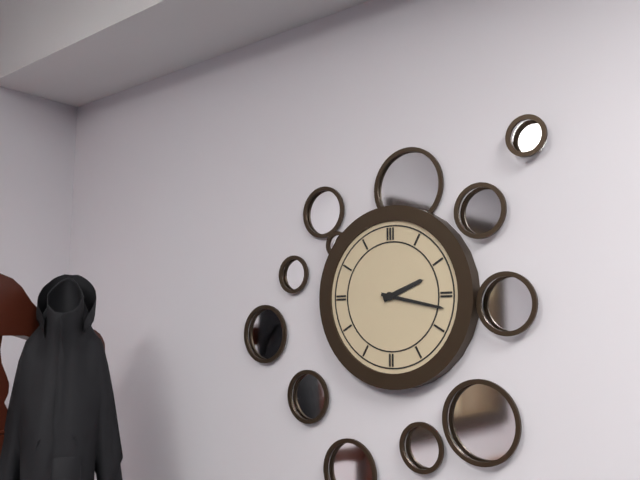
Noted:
**2:17**
